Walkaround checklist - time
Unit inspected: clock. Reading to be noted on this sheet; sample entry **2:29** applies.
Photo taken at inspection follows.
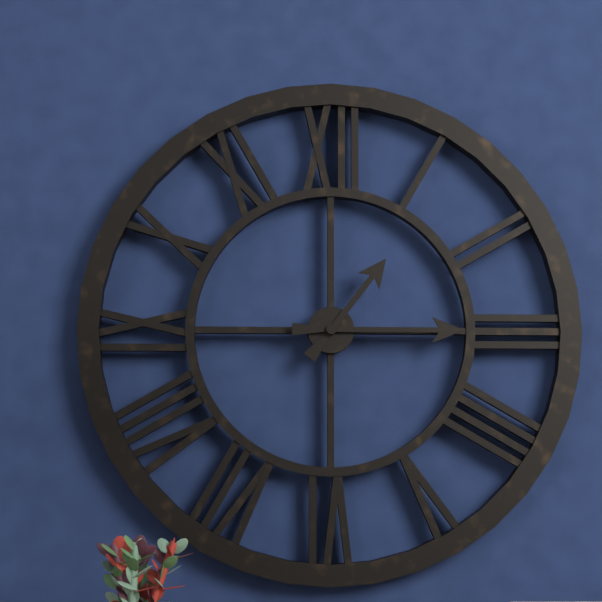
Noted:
**1:15**
